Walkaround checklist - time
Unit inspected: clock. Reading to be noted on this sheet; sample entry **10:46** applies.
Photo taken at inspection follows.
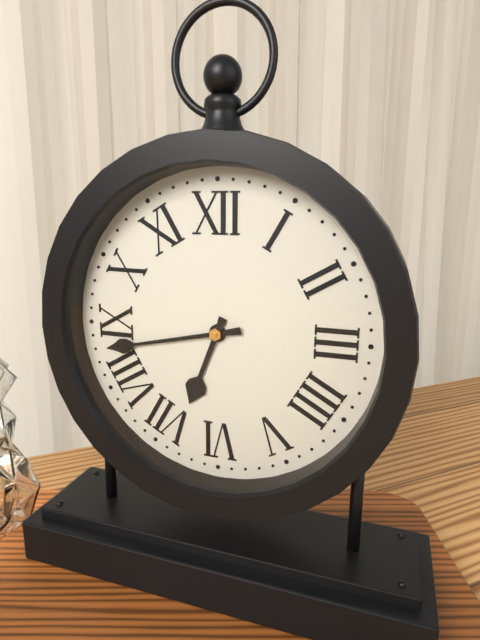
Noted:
**6:43**
